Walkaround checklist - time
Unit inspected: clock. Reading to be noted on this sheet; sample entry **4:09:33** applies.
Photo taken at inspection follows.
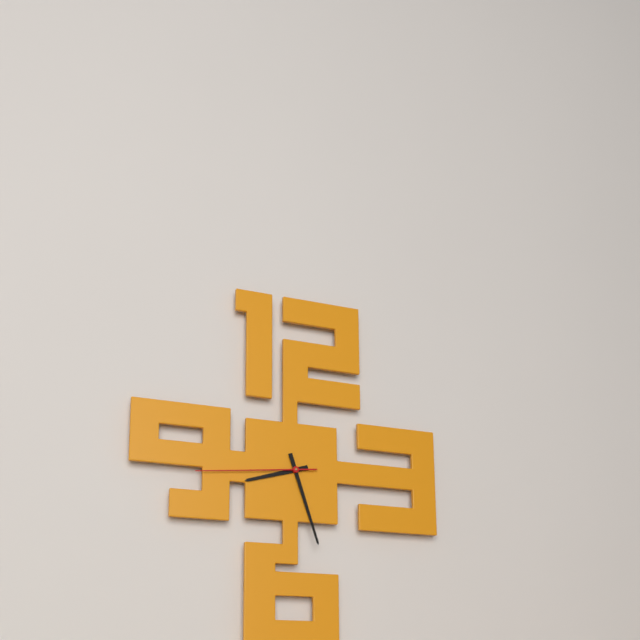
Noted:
**8:27:44**
